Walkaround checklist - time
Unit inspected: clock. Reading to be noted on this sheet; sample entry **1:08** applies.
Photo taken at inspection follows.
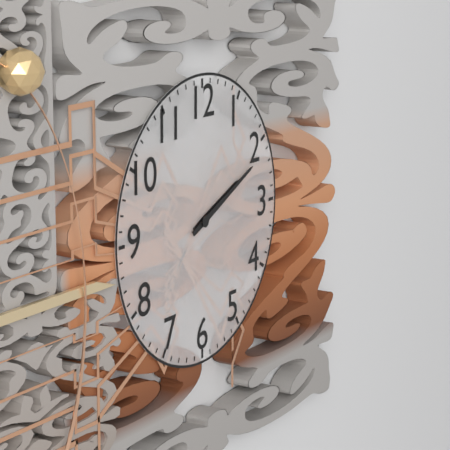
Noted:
**2:11**
